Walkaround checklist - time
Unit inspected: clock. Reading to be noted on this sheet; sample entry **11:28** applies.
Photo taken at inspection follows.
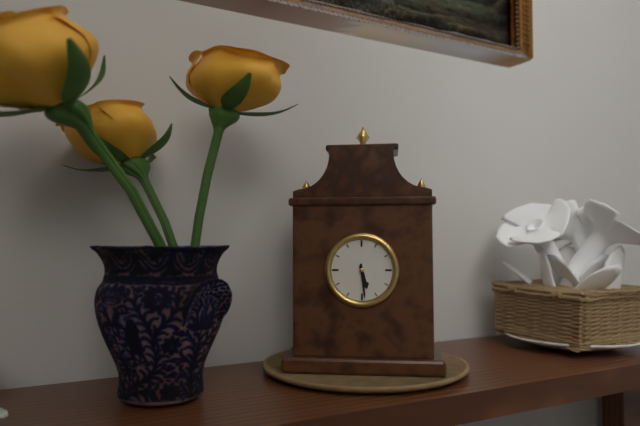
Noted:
**5:29**
